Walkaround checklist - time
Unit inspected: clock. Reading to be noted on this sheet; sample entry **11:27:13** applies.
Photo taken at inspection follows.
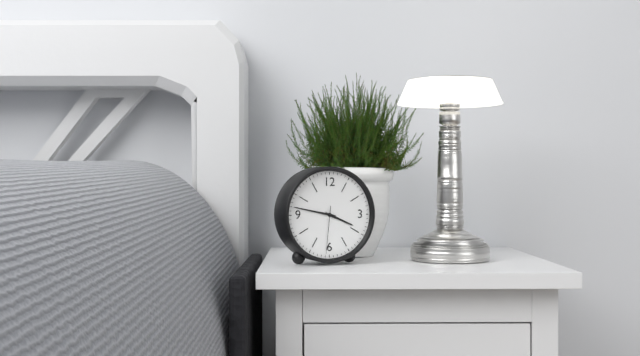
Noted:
**3:47:31**
